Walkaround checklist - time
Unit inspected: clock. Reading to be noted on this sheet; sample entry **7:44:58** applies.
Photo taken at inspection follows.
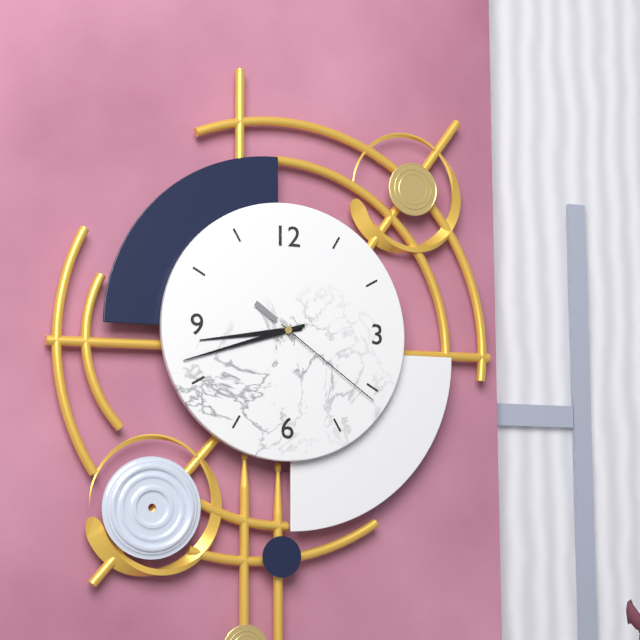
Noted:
**8:42:21**
